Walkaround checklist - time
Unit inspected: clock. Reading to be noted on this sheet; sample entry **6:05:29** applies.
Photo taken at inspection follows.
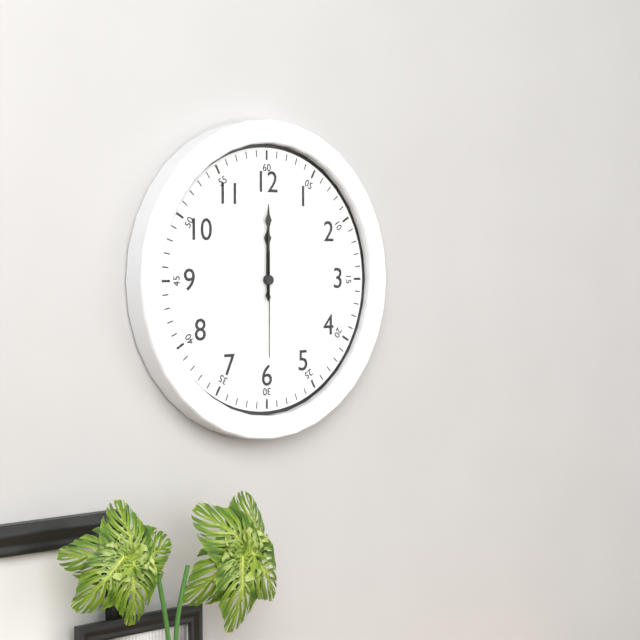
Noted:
**12:00:30**
